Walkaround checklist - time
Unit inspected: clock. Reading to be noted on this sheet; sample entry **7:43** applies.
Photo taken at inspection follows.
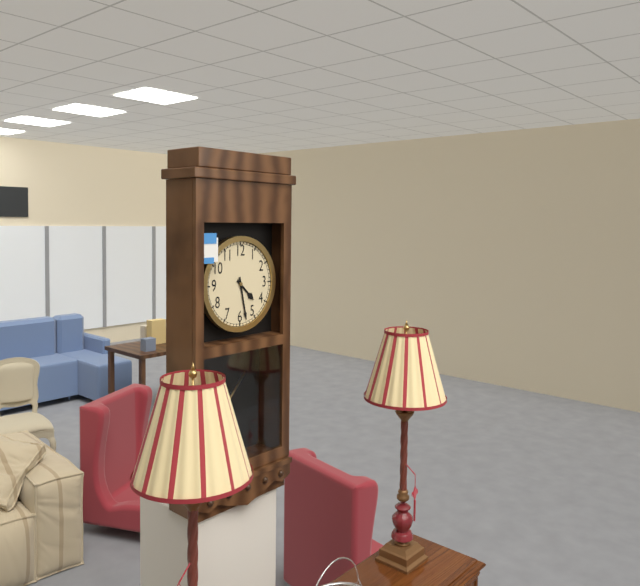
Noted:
**4:28**
